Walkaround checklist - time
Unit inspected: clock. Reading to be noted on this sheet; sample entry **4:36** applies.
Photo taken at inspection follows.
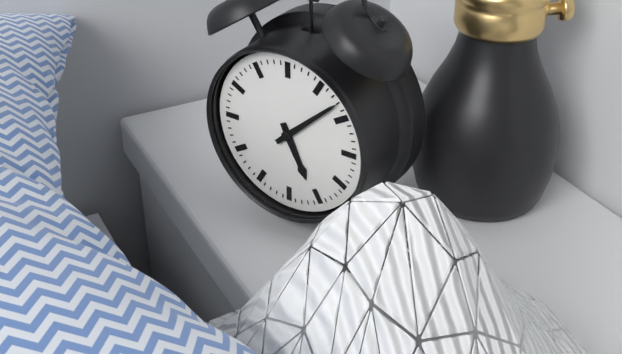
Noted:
**5:08**
